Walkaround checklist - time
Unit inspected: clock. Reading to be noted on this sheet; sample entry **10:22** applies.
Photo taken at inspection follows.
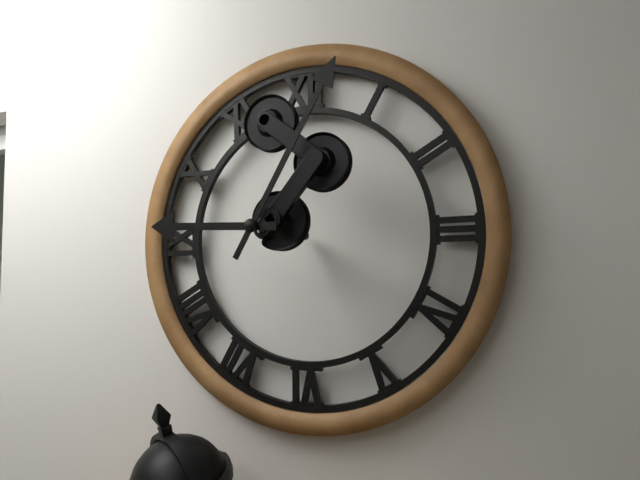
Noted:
**9:05**
